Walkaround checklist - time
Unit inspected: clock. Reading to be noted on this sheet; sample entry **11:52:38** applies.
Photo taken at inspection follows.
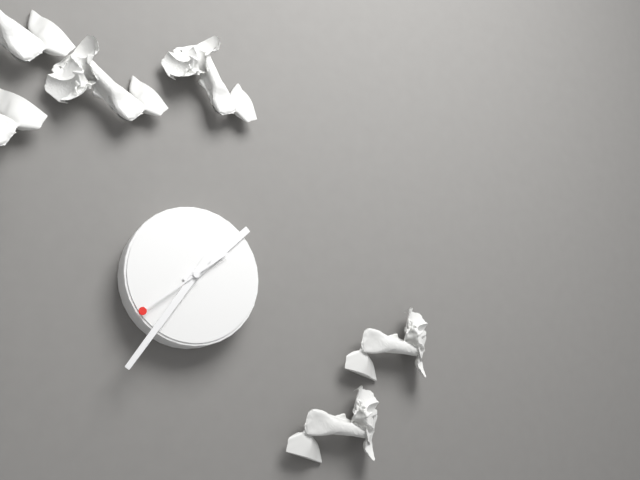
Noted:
**1:36:39**
